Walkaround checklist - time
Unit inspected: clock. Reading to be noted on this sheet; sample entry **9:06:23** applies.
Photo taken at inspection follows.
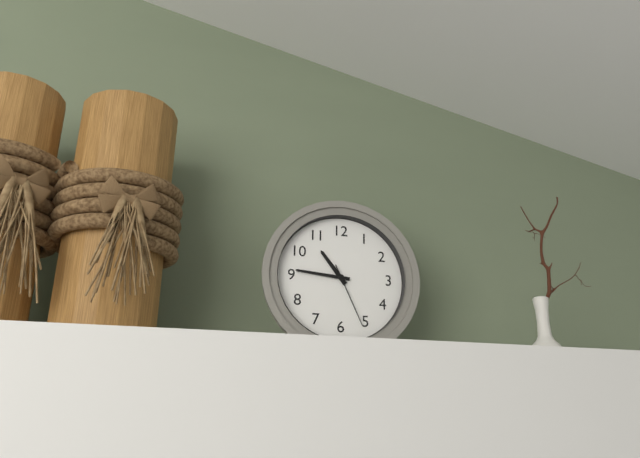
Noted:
**10:46:26**
